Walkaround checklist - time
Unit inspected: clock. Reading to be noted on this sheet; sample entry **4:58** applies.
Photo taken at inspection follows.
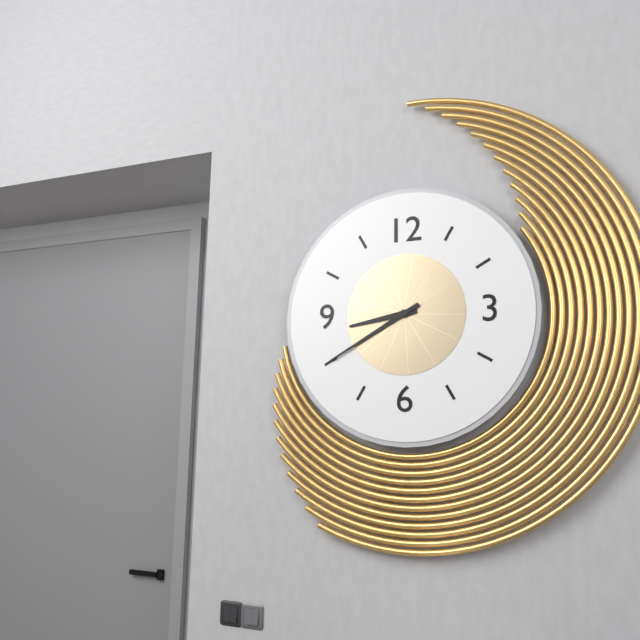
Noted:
**8:40**
